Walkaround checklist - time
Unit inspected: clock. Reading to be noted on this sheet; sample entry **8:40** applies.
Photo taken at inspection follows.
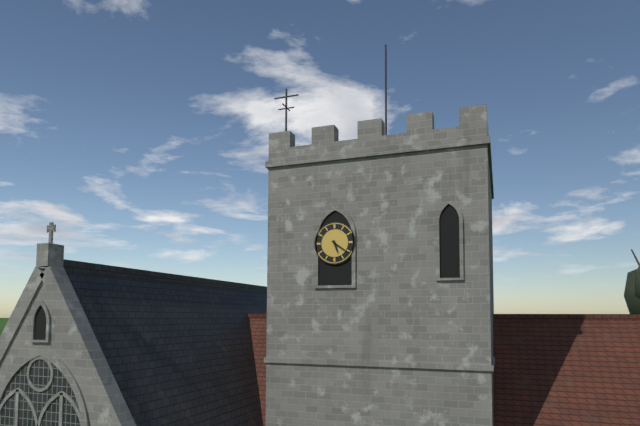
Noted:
**5:21**
